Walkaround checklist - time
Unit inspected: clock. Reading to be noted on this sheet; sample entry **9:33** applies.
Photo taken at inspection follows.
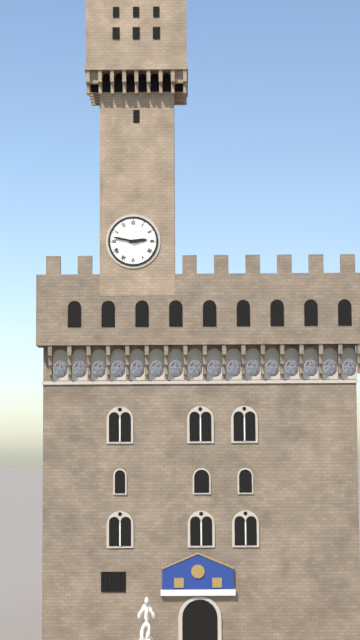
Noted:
**2:47**
